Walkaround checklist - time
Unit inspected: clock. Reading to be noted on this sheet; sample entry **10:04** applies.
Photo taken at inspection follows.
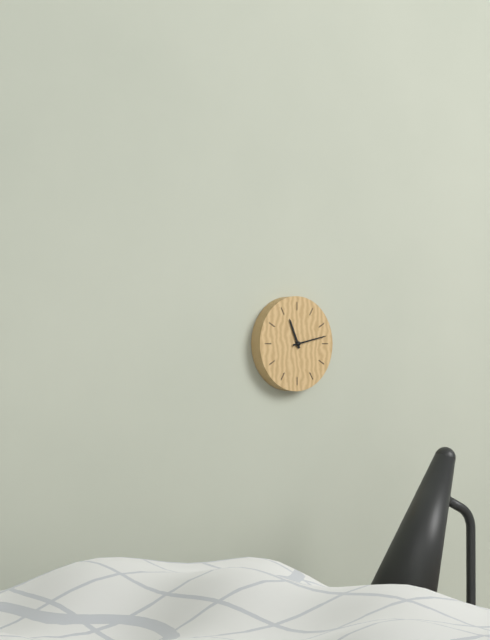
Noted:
**11:13**
